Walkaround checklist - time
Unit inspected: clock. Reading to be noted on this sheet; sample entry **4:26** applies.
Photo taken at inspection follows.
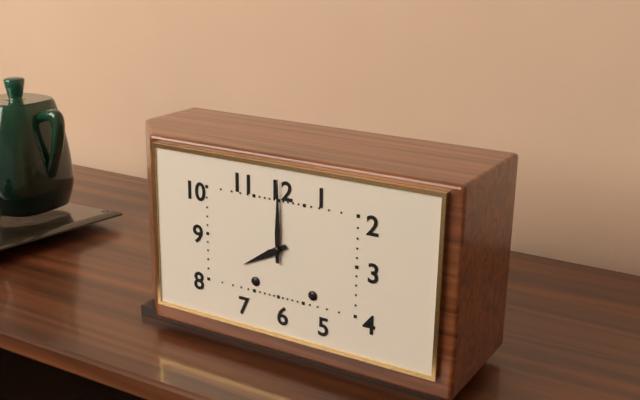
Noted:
**8:00**
